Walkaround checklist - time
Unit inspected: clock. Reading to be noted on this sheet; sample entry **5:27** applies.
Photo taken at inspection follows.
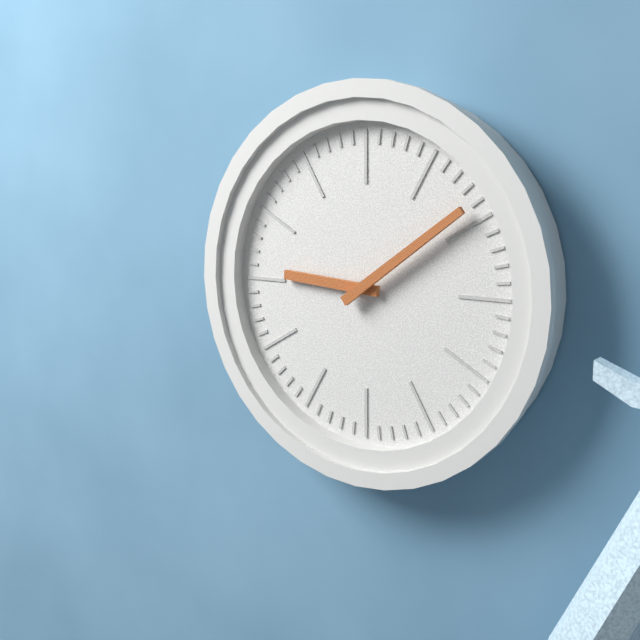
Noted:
**9:09**
